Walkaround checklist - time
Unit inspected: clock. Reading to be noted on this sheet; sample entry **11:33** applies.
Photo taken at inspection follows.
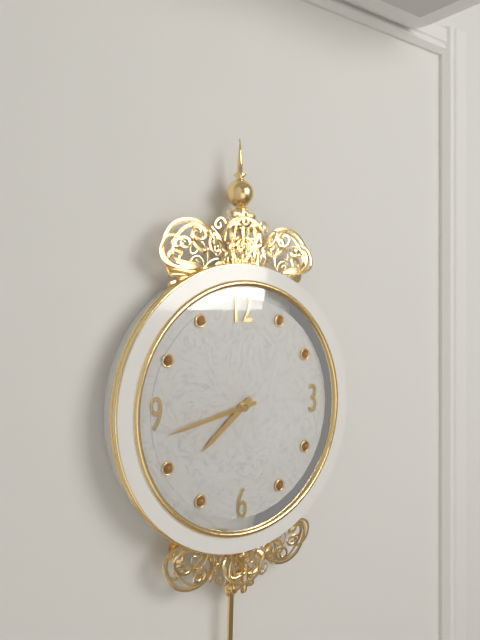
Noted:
**7:43**
